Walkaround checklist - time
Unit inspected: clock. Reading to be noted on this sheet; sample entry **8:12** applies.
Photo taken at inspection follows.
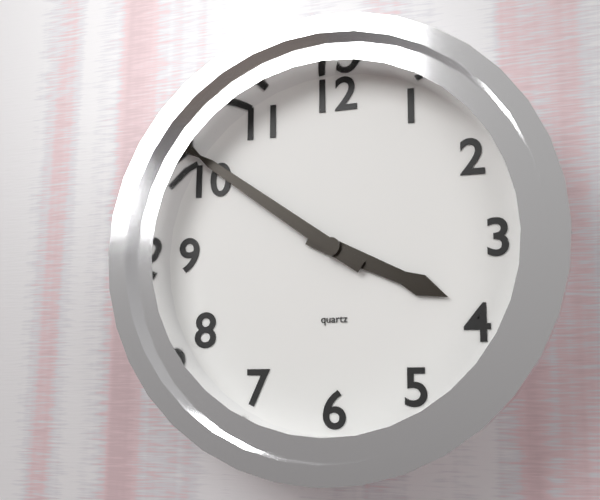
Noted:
**3:51**
